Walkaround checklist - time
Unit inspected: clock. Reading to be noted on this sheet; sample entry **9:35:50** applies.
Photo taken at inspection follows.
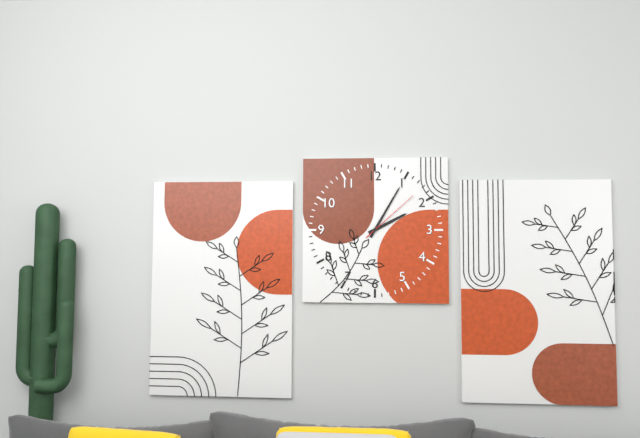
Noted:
**2:05:08**
